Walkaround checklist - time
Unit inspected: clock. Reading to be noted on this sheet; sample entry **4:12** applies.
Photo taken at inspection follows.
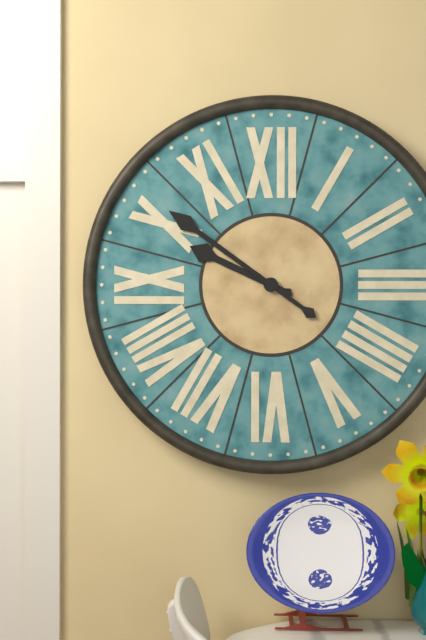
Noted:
**9:51**
